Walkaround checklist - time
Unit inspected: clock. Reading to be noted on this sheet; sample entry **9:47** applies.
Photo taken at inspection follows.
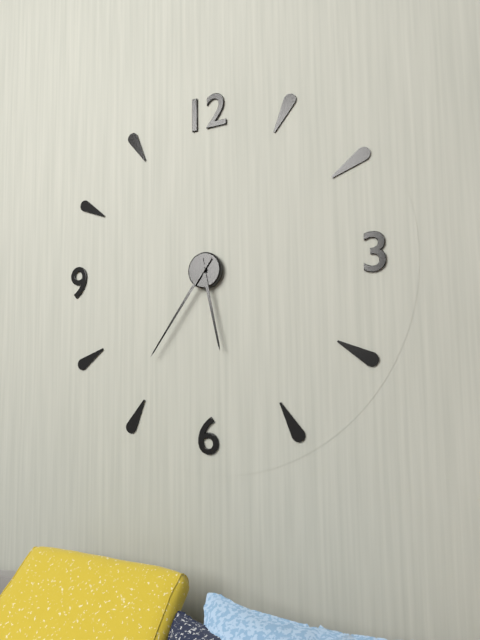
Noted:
**5:36**
